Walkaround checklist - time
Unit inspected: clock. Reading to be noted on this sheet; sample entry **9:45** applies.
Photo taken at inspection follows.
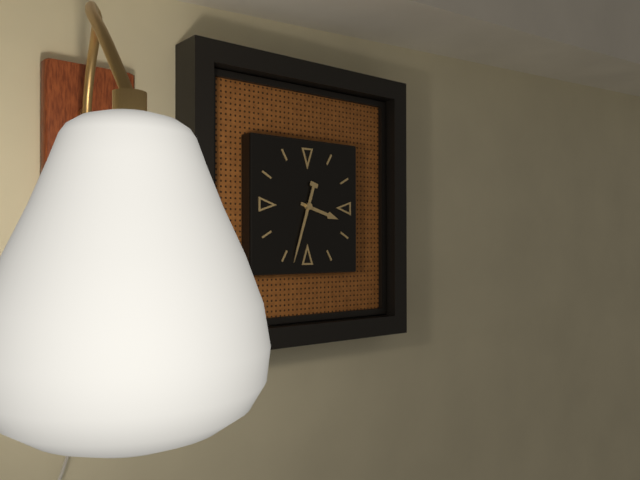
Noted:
**3:33**
